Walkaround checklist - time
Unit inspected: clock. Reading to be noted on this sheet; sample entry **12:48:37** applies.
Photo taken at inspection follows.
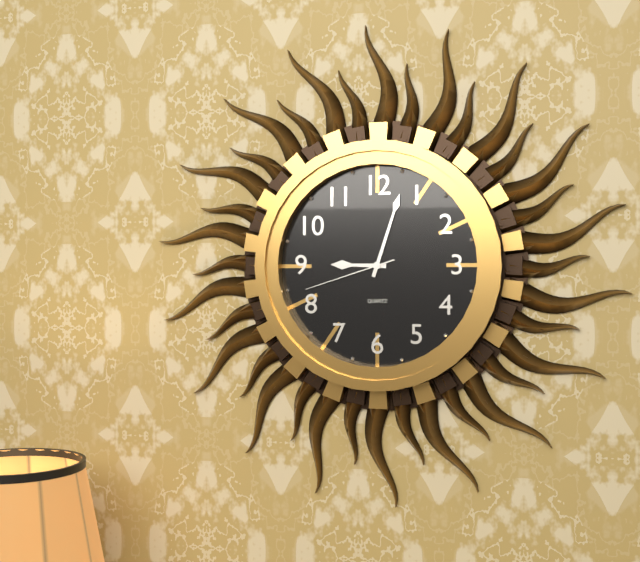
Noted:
**9:03:42**
